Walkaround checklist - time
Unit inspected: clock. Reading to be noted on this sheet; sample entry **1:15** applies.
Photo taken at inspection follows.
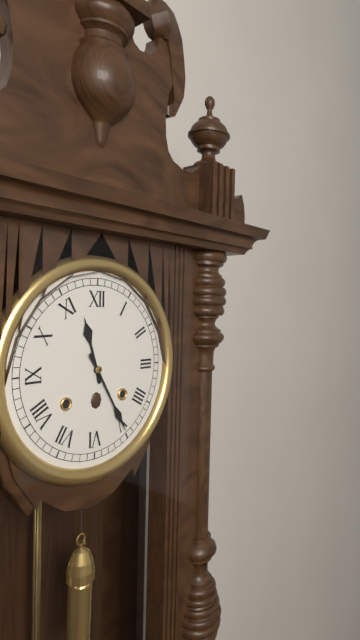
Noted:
**11:25**
